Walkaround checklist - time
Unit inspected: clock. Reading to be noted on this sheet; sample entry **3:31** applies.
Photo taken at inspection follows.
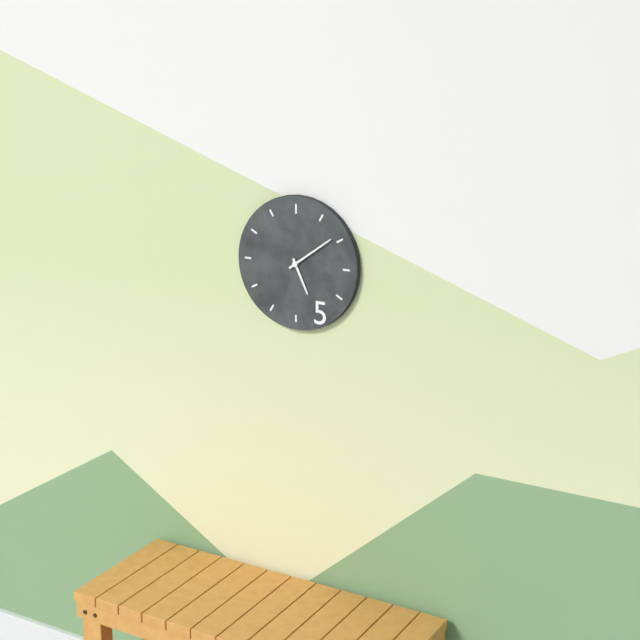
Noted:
**5:09**
